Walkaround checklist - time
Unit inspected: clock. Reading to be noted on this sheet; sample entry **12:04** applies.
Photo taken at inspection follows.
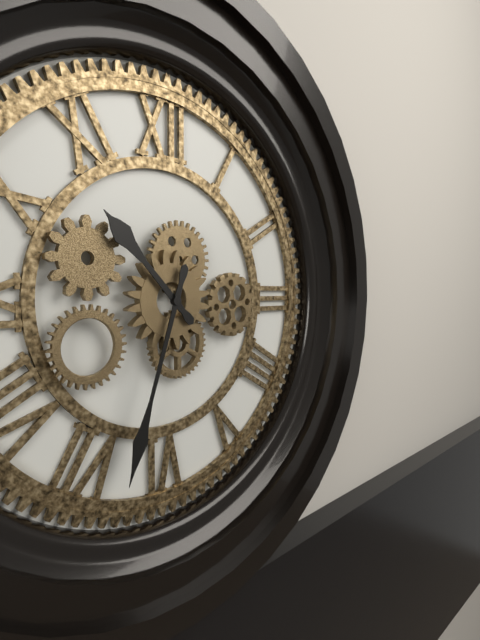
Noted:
**10:33**
